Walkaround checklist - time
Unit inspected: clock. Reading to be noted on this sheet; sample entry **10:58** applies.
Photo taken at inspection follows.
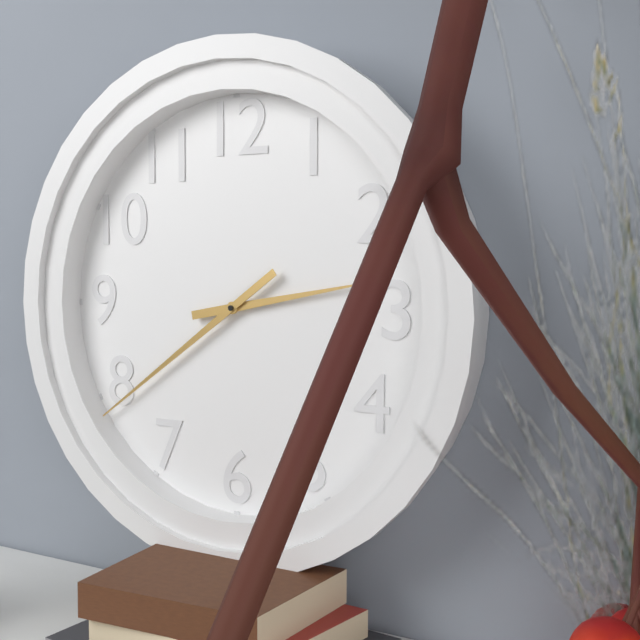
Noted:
**2:39**
